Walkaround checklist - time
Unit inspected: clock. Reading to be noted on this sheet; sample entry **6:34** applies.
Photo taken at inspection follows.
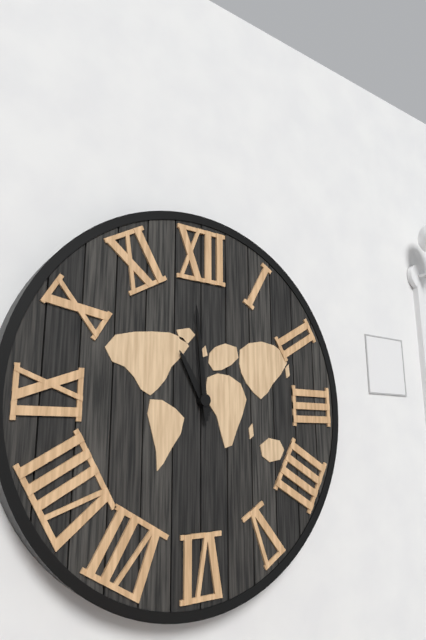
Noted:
**10:59**
